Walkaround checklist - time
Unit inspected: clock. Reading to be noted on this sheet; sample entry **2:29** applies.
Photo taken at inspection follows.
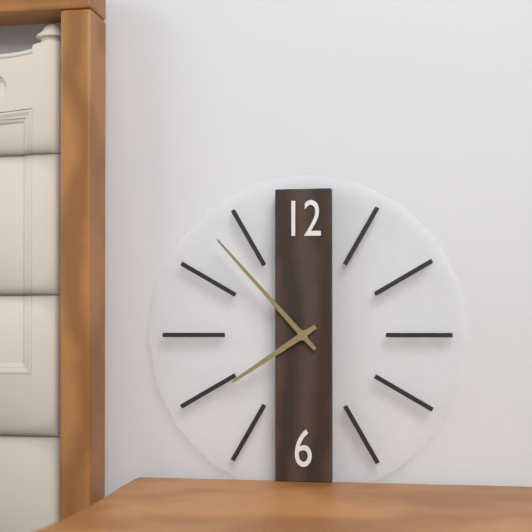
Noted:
**7:53**
